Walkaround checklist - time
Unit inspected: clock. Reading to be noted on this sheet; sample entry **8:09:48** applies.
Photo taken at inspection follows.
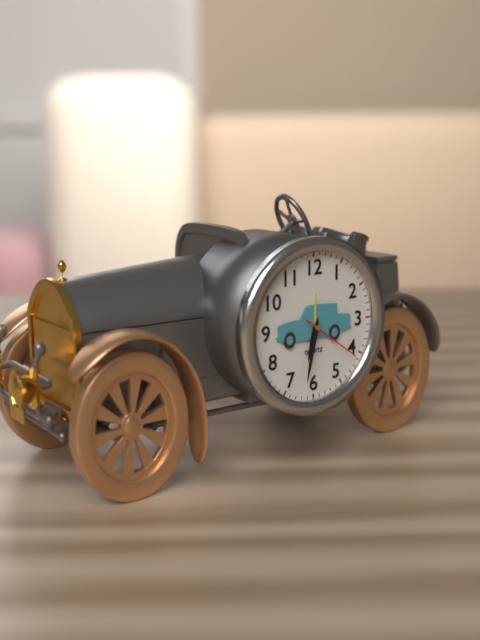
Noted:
**6:32:21**
